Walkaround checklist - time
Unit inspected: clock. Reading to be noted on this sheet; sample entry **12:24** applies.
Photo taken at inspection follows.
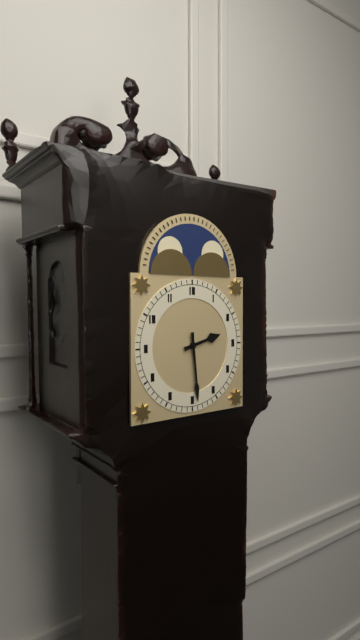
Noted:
**2:29**
